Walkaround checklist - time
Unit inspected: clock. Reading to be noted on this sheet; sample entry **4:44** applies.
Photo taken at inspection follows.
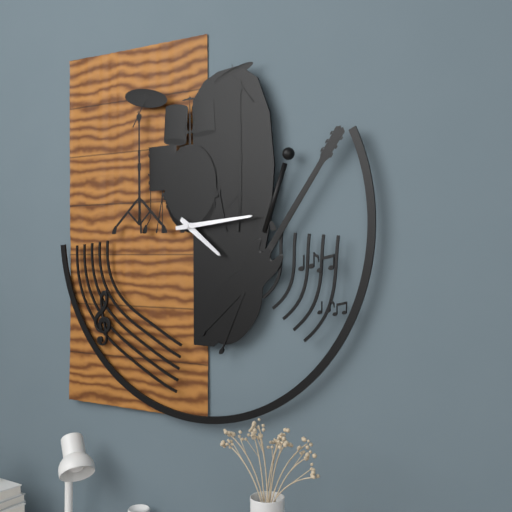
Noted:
**4:14**
